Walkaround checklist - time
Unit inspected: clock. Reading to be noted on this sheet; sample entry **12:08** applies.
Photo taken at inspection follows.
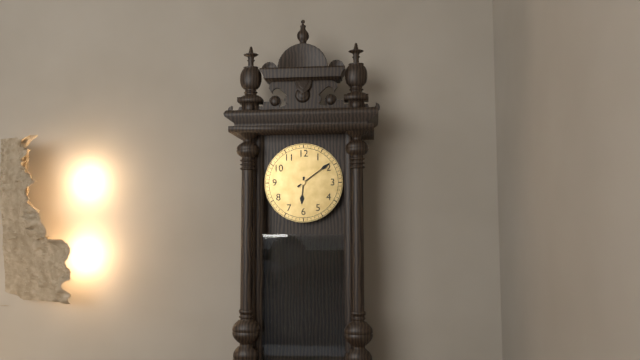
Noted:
**6:09**
